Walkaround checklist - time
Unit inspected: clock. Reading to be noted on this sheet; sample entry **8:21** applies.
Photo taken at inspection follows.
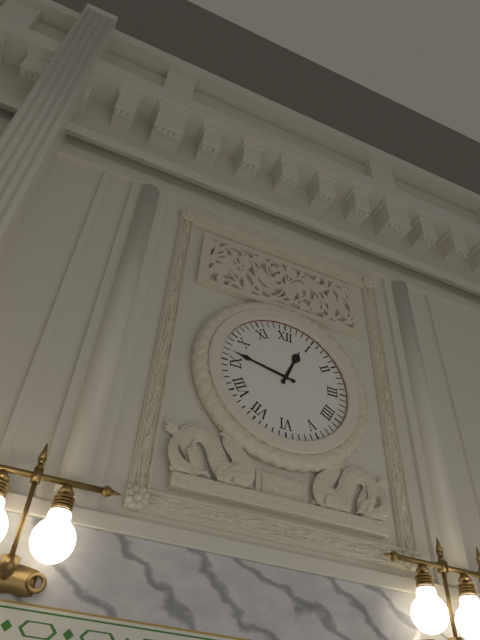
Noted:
**12:47**
